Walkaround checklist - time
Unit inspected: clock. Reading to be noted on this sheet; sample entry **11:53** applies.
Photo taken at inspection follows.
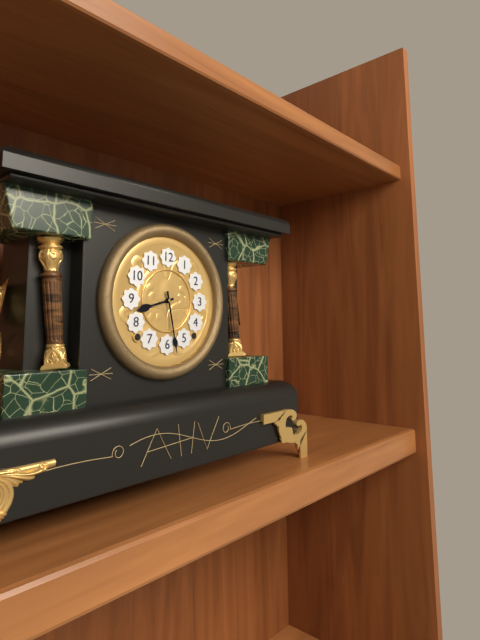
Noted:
**8:28**
